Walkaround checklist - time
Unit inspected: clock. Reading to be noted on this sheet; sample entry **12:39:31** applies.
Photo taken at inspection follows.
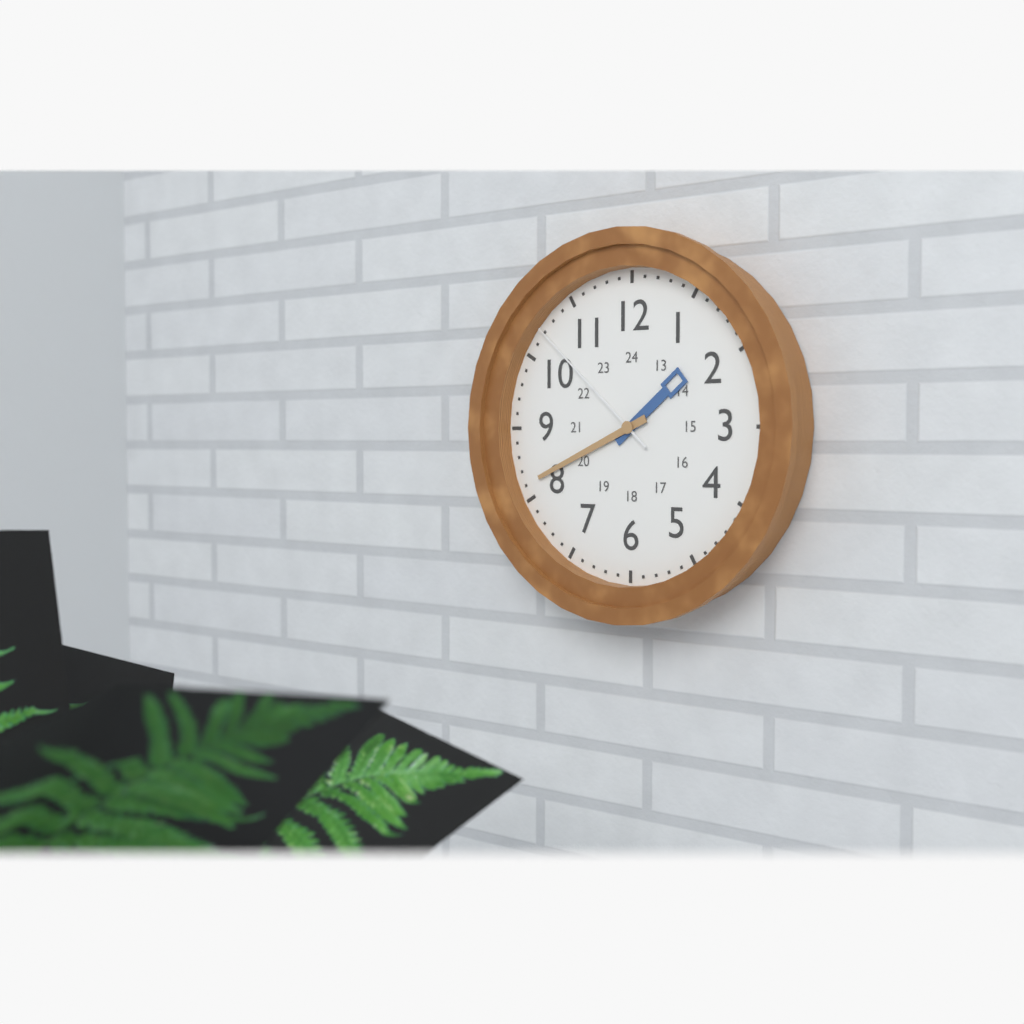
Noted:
**1:41:52**
